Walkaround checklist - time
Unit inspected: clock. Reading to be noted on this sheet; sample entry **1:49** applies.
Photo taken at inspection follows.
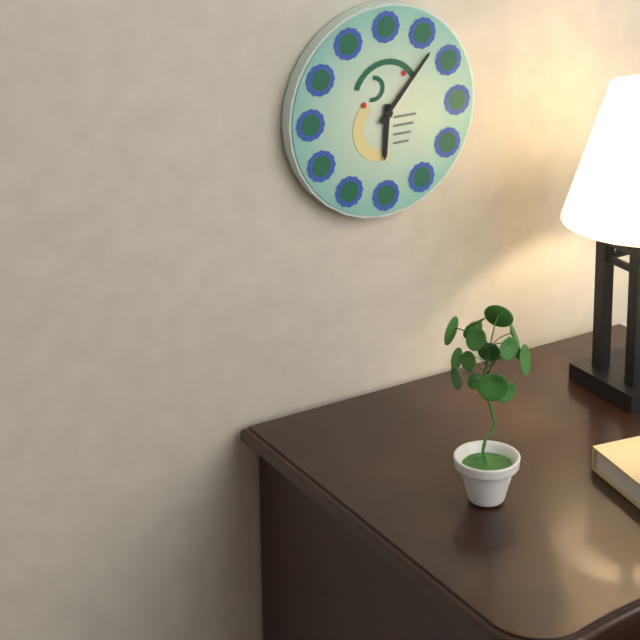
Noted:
**6:07**
